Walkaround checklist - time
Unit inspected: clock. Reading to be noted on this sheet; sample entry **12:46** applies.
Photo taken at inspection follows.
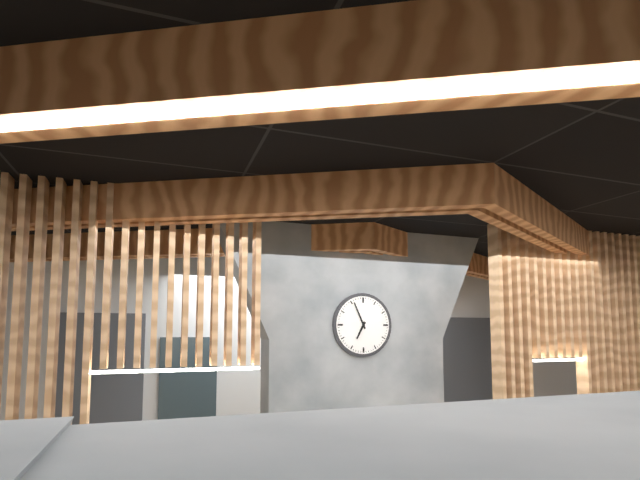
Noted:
**6:56**
